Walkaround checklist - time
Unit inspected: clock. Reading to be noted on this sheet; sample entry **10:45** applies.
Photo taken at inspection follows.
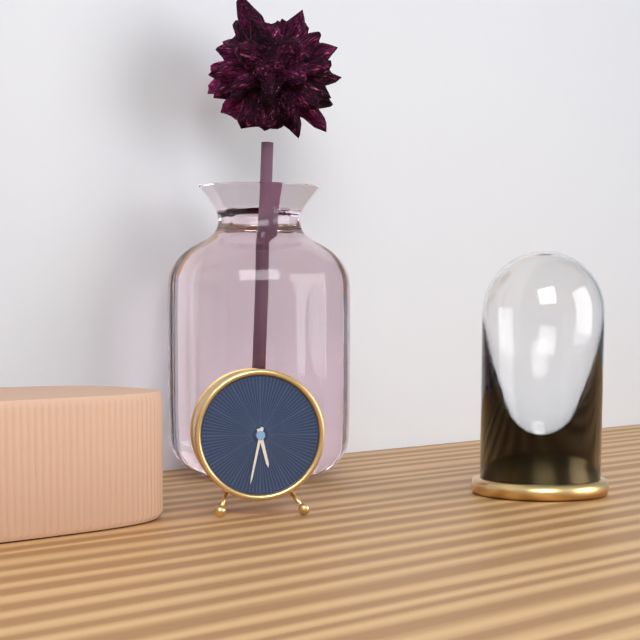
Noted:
**5:32**
